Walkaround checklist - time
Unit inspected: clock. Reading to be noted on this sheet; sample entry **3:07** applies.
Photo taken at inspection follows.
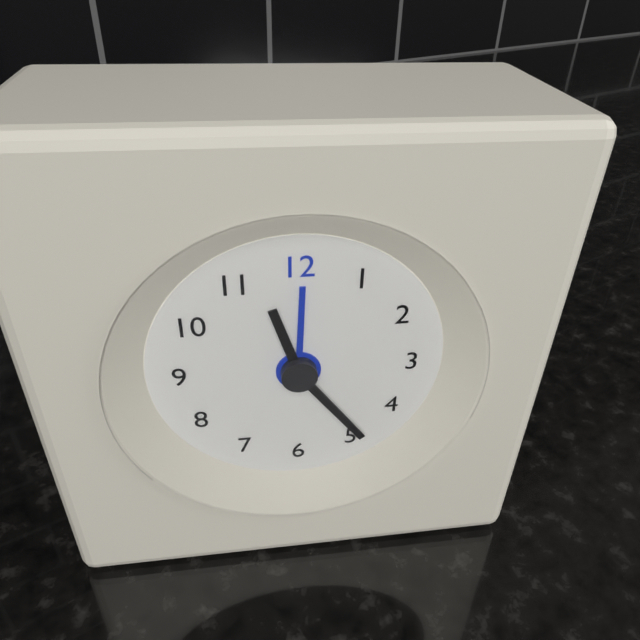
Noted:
**11:24**
